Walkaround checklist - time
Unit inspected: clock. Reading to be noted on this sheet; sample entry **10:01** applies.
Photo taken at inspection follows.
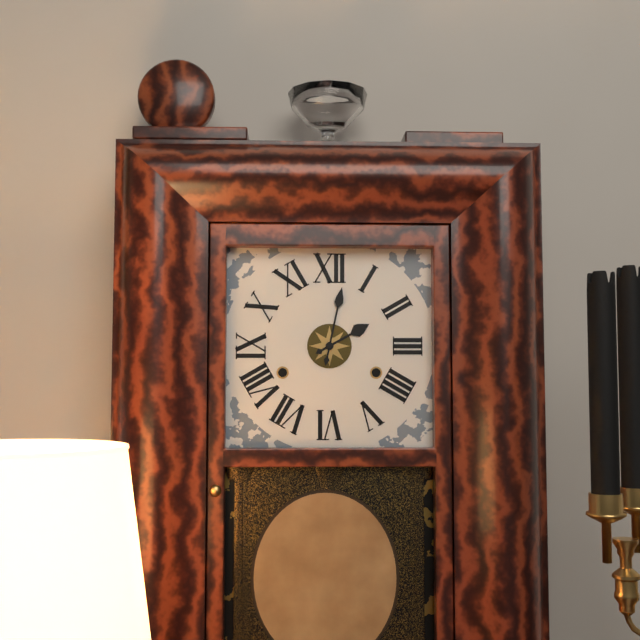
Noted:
**2:02**
